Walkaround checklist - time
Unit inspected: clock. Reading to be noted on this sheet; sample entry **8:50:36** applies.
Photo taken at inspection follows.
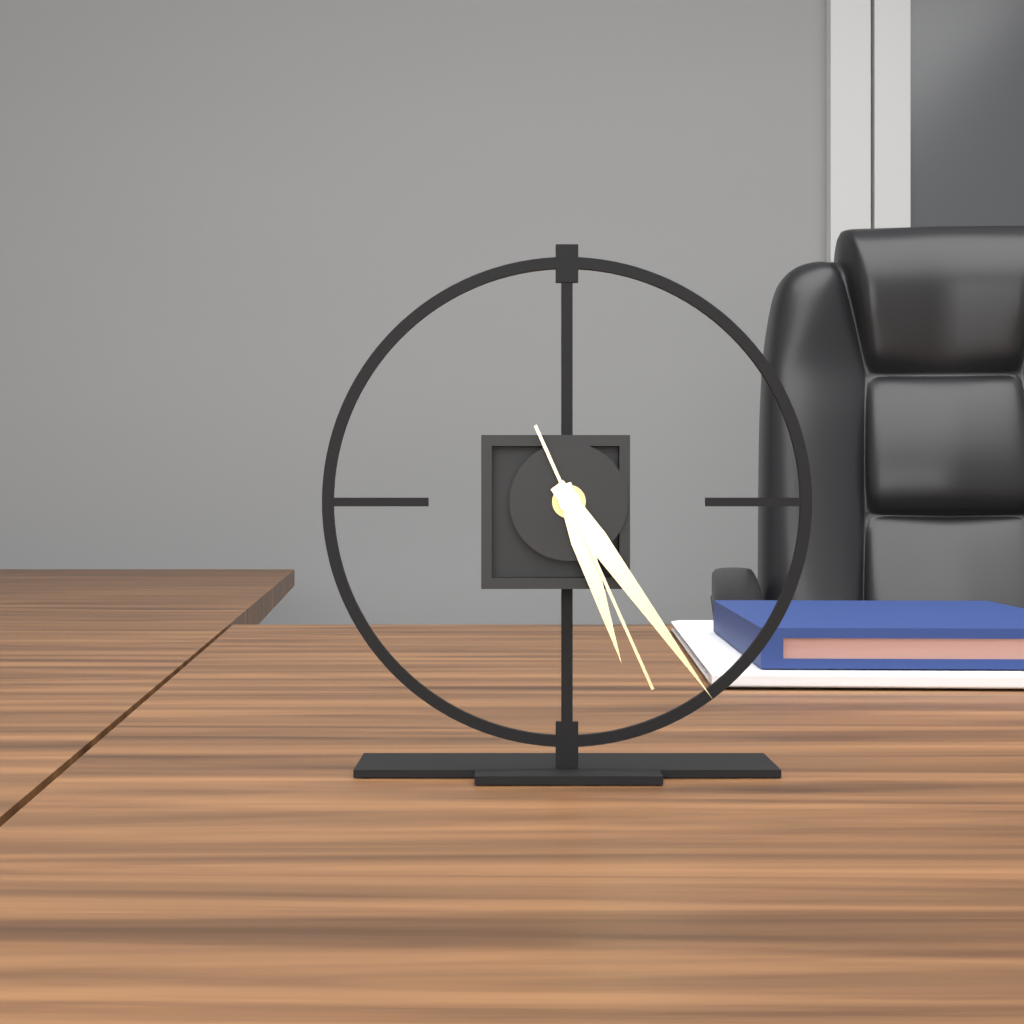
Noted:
**5:24:26**
